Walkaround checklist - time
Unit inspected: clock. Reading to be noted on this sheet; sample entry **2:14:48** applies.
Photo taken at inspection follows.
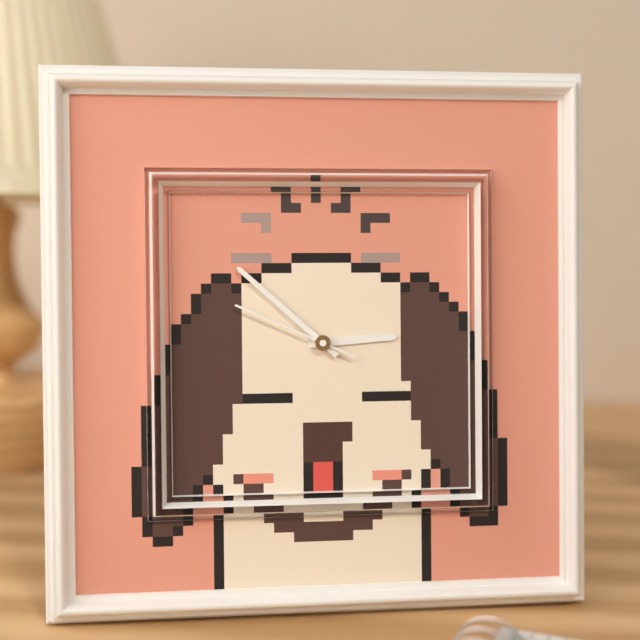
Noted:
**2:52:49**
